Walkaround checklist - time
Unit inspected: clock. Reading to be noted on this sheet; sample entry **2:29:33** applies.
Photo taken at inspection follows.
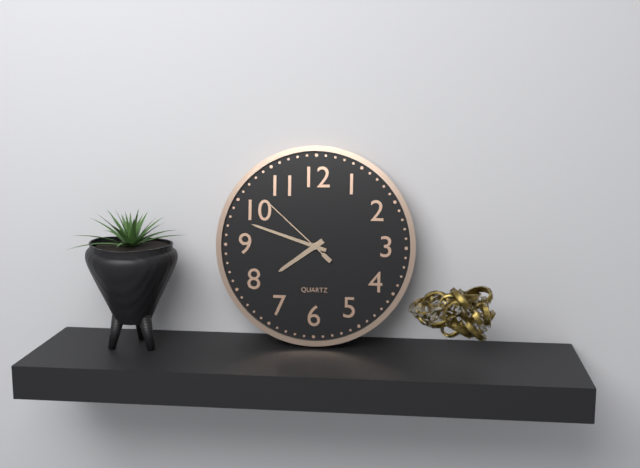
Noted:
**7:48:52**
